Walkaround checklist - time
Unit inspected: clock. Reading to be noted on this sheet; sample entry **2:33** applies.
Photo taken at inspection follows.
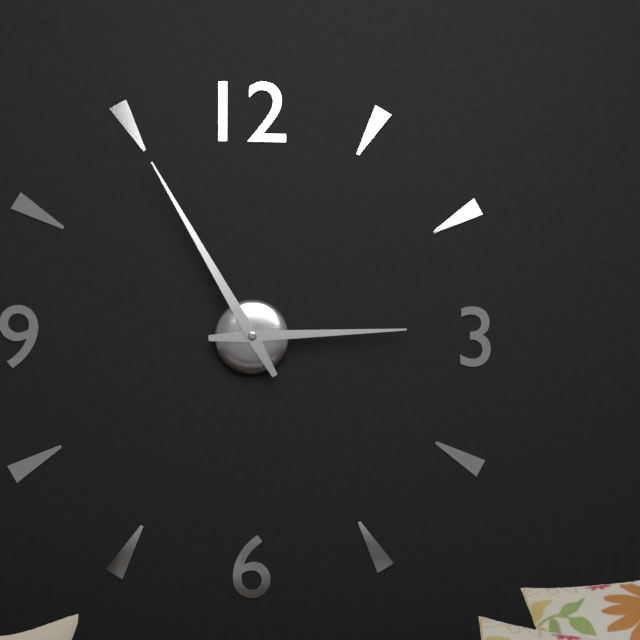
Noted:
**2:55**
